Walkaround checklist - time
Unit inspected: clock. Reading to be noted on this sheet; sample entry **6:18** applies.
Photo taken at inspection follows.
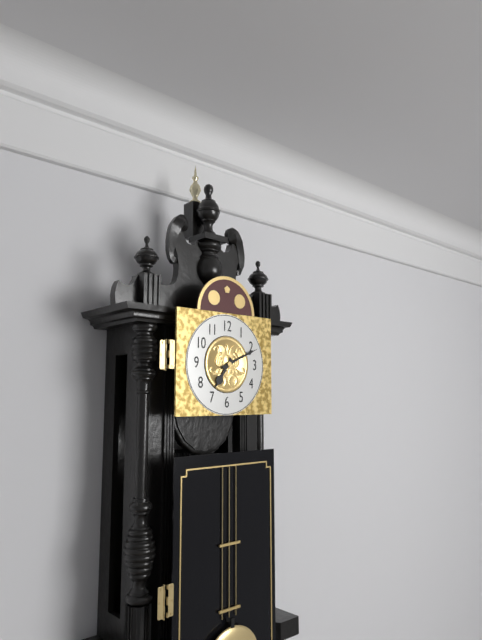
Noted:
**7:11**
